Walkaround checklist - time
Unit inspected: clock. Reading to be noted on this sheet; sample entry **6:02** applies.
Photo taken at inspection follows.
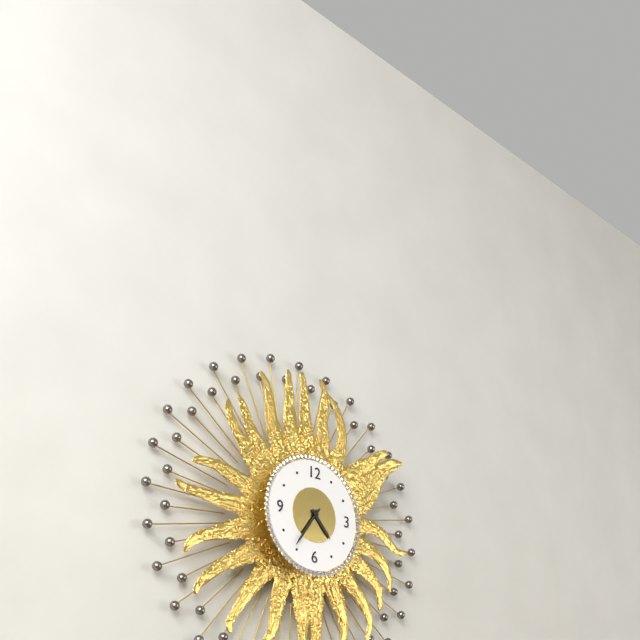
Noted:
**4:36**
